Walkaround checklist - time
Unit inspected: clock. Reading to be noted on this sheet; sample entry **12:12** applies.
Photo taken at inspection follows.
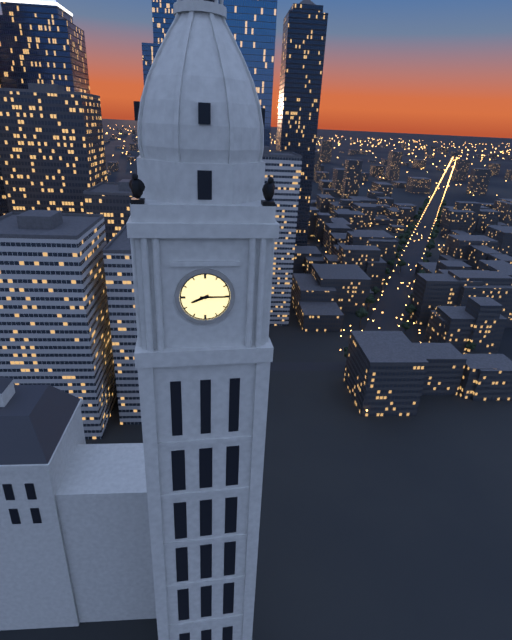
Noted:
**8:15**
